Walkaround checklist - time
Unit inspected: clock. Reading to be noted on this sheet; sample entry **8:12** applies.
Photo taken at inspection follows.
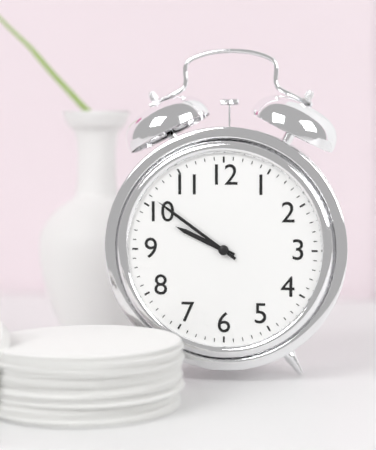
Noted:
**9:51**
